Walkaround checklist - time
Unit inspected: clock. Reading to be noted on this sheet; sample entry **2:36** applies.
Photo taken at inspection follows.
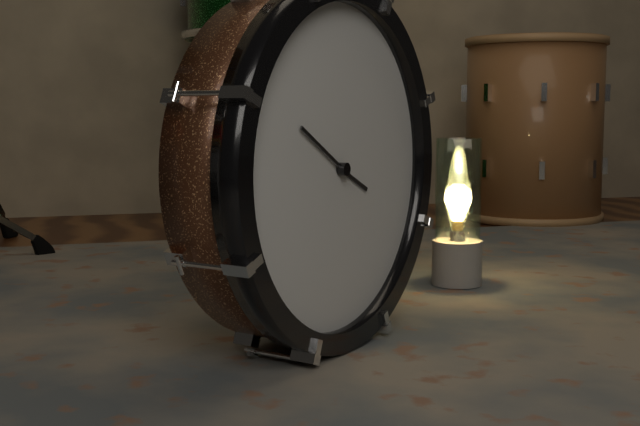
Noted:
**3:50**
